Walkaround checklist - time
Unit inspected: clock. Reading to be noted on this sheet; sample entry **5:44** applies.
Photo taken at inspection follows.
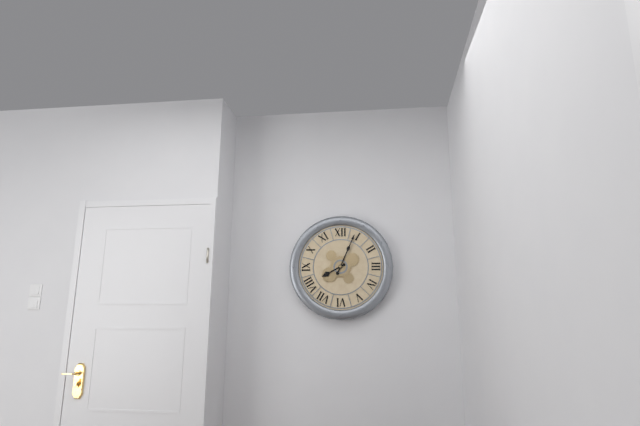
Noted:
**8:04**
